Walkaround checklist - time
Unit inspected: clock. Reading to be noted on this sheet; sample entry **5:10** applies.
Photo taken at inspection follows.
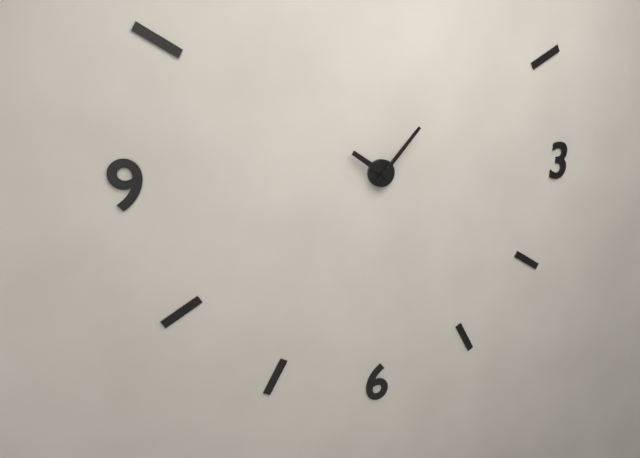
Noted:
**10:07**
